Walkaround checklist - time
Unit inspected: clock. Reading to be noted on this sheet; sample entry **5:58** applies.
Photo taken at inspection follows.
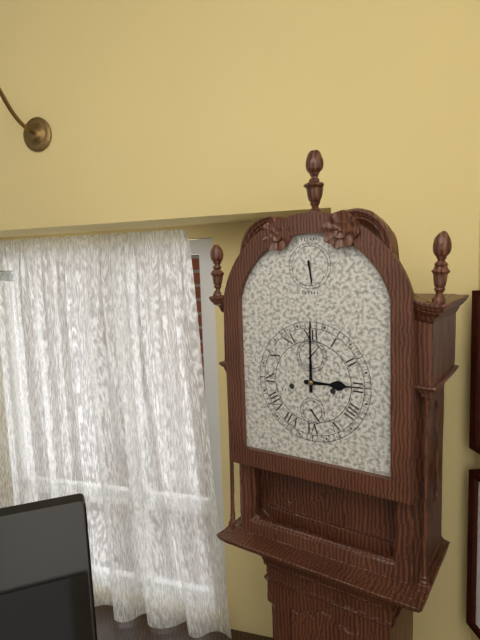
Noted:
**3:00**
